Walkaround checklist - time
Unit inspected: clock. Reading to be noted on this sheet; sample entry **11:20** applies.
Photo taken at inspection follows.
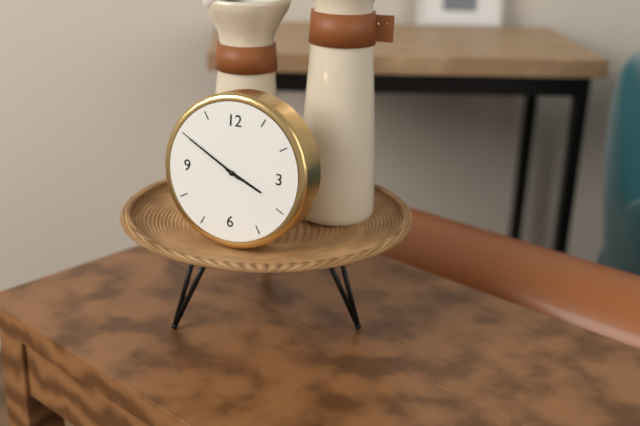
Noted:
**3:50**
